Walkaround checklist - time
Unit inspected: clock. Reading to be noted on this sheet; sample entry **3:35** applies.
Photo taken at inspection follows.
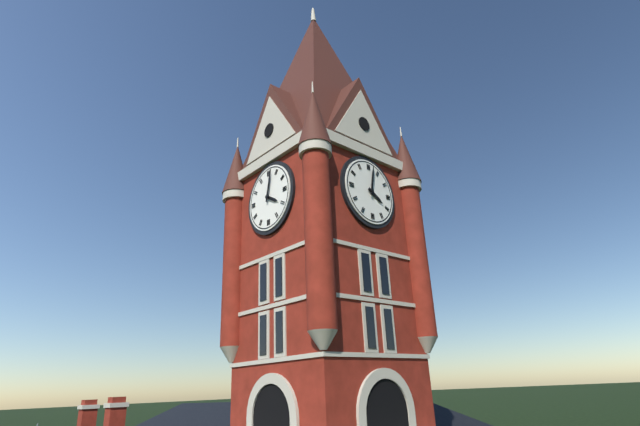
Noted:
**4:02**
